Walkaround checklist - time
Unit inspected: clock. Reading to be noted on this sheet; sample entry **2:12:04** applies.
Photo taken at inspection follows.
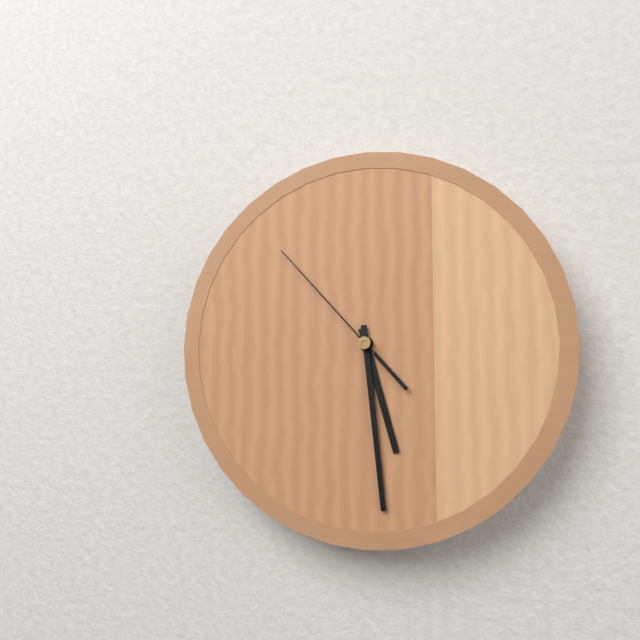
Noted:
**5:29:53**
